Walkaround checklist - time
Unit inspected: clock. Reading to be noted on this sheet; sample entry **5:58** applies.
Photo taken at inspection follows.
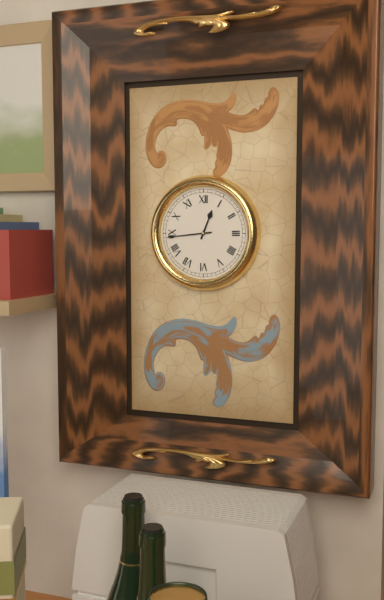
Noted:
**12:44**
